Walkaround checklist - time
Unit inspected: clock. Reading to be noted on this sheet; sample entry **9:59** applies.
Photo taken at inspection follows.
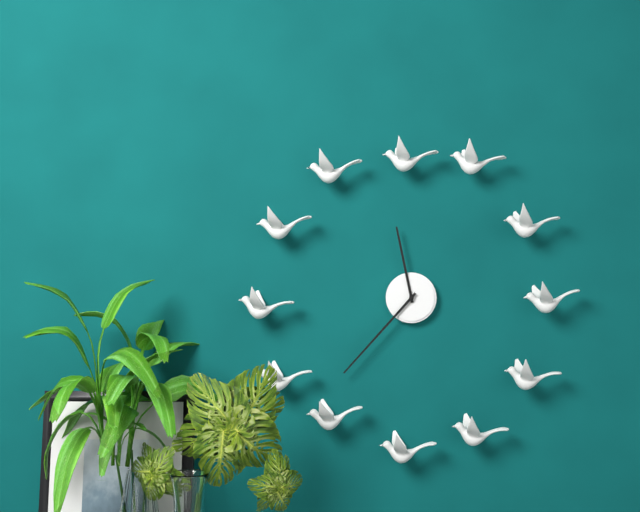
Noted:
**11:37**
